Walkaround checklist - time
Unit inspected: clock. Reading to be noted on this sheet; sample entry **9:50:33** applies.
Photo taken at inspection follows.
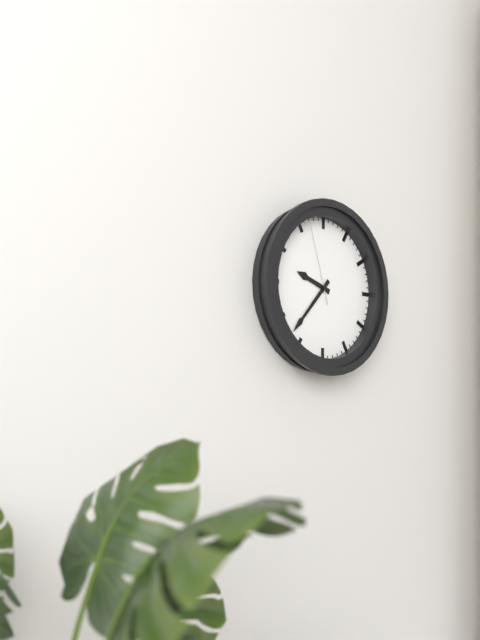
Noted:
**9:37:57**
